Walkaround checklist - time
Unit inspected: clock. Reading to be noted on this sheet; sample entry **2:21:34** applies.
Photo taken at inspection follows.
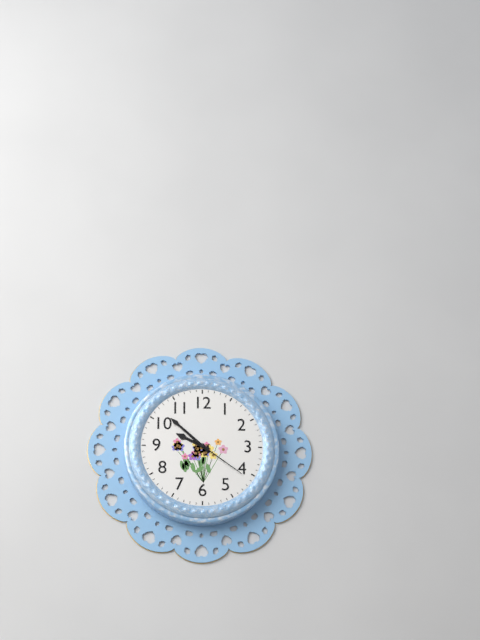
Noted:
**9:52:21**
